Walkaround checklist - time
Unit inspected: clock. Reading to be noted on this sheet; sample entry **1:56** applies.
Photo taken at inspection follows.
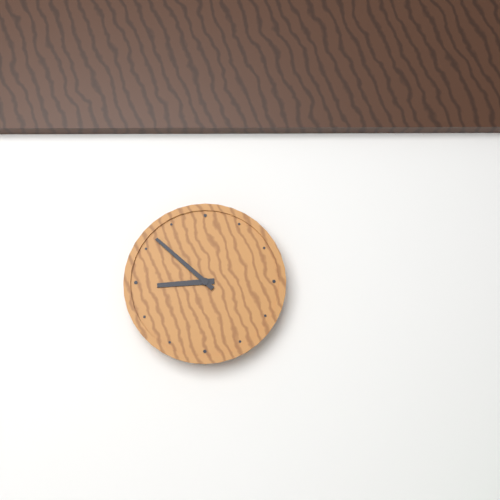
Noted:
**8:52**
